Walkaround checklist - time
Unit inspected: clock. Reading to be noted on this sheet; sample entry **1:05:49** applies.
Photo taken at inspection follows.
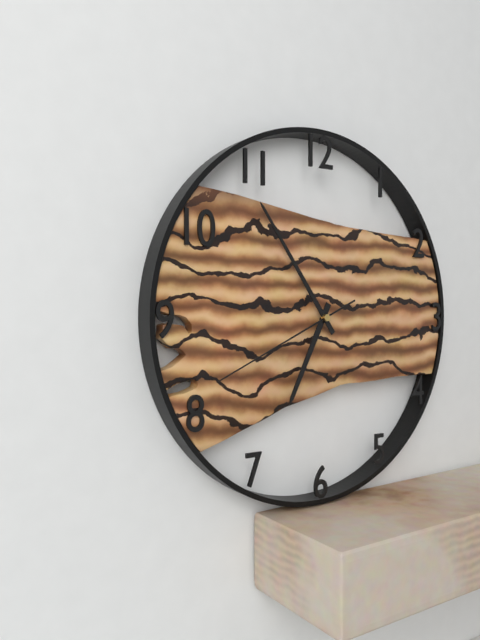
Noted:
**6:54:41**
